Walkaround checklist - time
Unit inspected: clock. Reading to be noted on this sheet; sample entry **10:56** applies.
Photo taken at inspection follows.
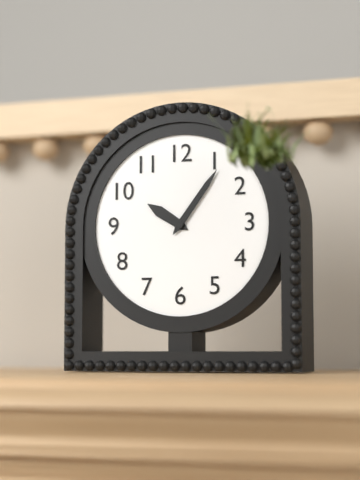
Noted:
**10:06**
